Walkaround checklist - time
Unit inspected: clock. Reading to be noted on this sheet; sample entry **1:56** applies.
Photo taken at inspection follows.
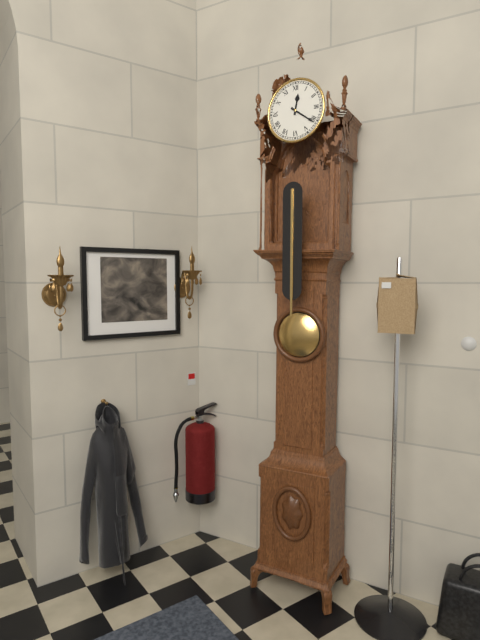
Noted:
**12:21**
